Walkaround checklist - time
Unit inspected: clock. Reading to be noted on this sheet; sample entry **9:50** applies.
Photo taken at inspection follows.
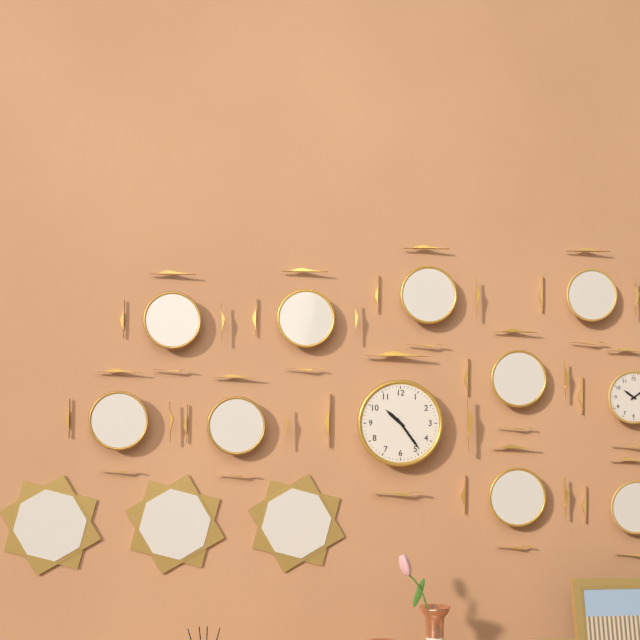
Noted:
**10:24**
